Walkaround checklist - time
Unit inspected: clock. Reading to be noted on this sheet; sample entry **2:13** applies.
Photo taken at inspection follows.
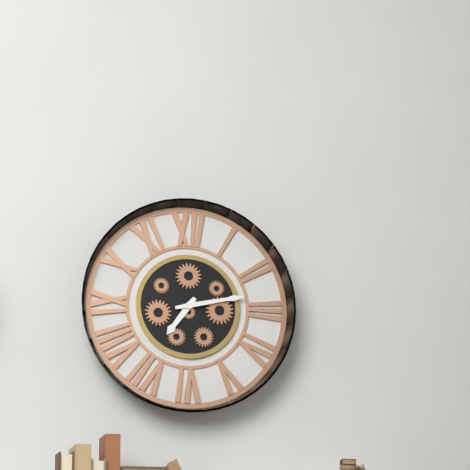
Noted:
**7:13**
